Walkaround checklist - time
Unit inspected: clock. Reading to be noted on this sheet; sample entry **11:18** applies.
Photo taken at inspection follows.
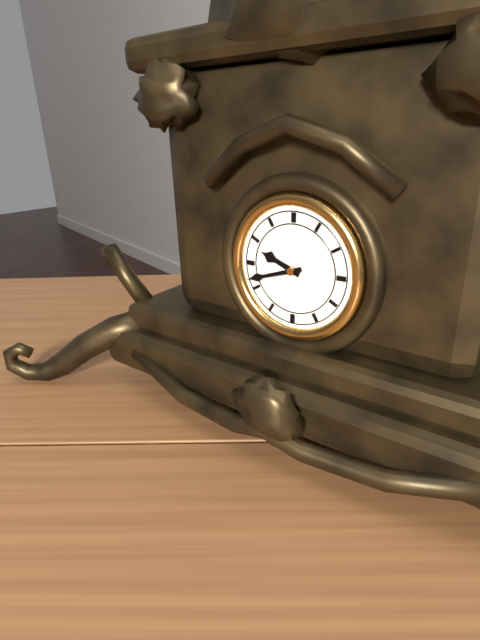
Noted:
**9:42**
